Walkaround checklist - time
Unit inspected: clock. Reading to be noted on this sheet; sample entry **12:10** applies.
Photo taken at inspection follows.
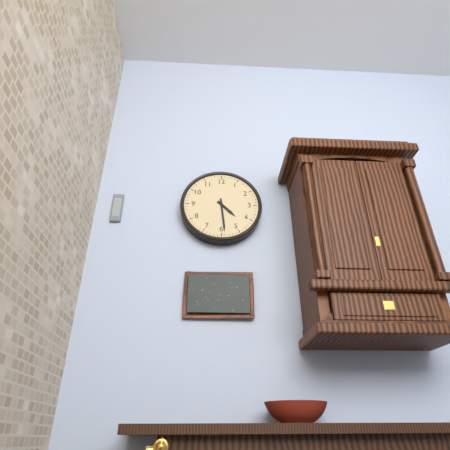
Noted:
**4:29**
